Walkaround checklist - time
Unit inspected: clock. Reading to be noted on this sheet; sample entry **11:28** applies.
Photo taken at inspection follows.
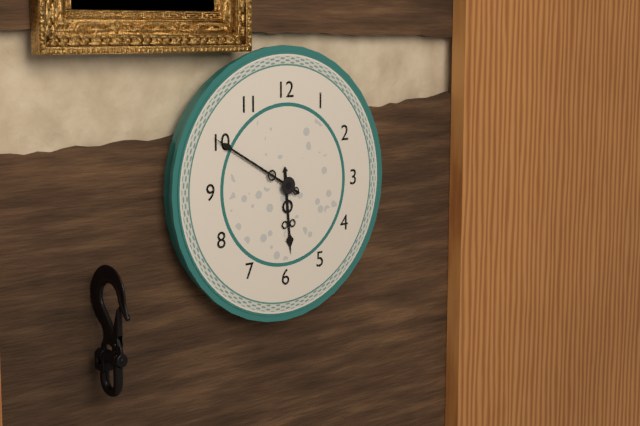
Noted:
**5:50**
